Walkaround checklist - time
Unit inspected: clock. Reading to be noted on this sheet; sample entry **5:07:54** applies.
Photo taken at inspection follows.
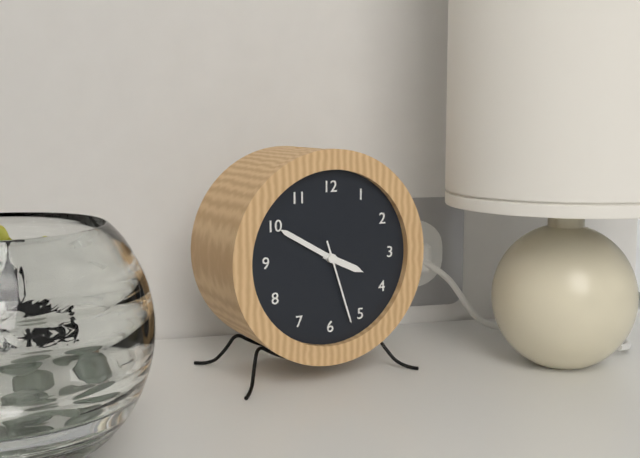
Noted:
**3:50:27**
